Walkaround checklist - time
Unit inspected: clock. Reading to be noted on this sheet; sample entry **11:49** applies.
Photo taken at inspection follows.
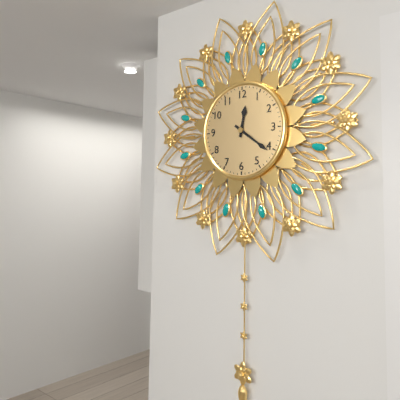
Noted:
**12:21**
